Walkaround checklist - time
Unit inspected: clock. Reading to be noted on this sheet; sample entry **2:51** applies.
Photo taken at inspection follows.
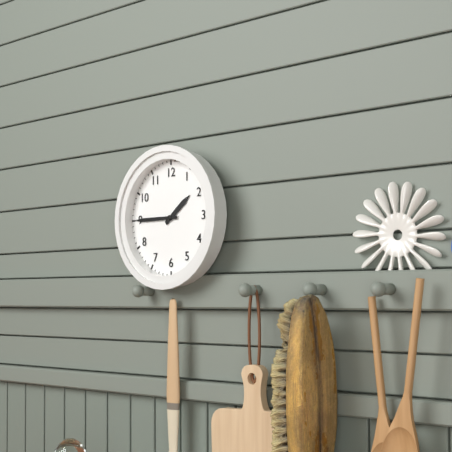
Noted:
**1:45**
